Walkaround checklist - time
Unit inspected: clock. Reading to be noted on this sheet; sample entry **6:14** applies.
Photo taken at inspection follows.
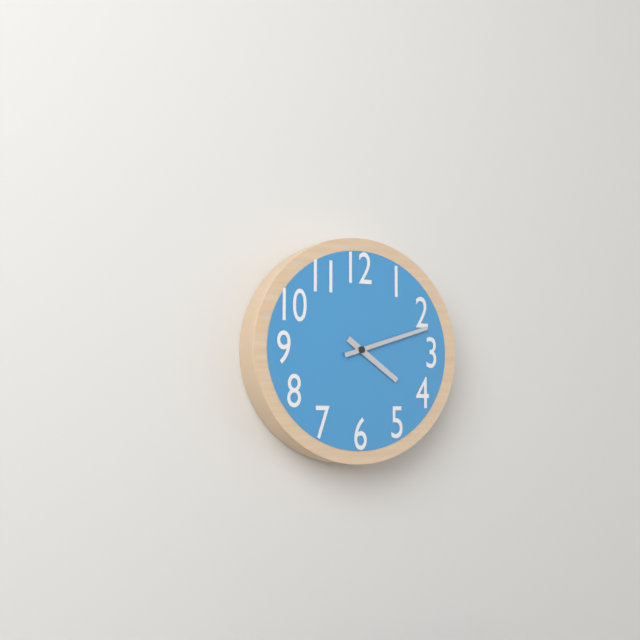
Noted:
**4:12**
